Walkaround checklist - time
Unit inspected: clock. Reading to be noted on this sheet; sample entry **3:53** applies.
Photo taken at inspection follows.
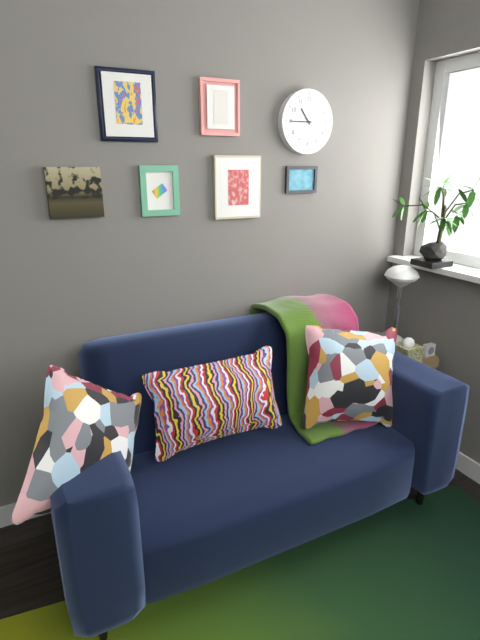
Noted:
**10:45**
